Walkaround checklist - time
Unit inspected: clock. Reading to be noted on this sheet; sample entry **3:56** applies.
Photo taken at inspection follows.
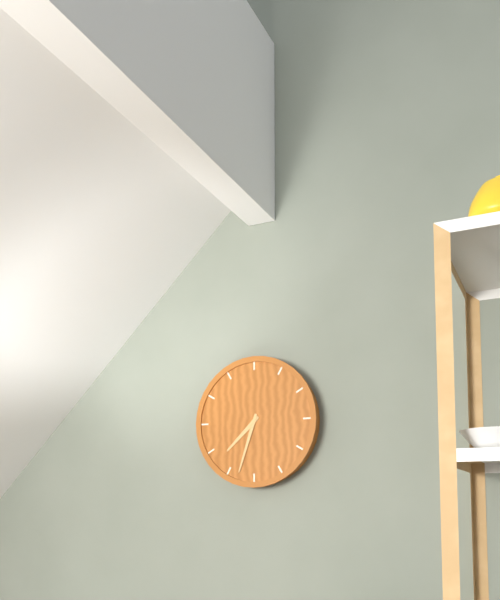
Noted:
**7:33**
